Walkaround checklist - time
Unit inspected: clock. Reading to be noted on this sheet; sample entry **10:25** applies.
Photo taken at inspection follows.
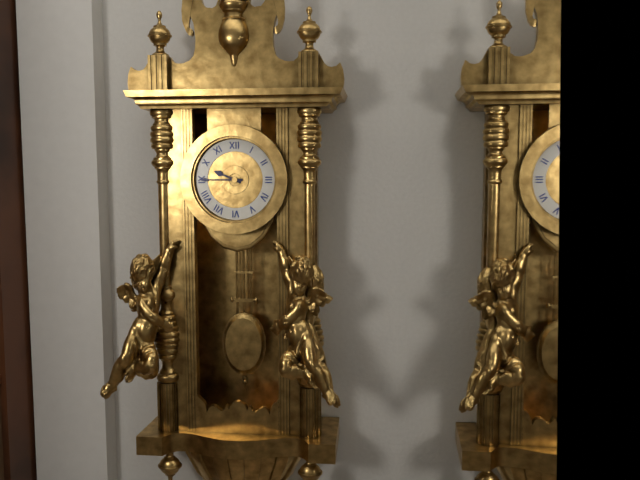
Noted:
**9:45**
